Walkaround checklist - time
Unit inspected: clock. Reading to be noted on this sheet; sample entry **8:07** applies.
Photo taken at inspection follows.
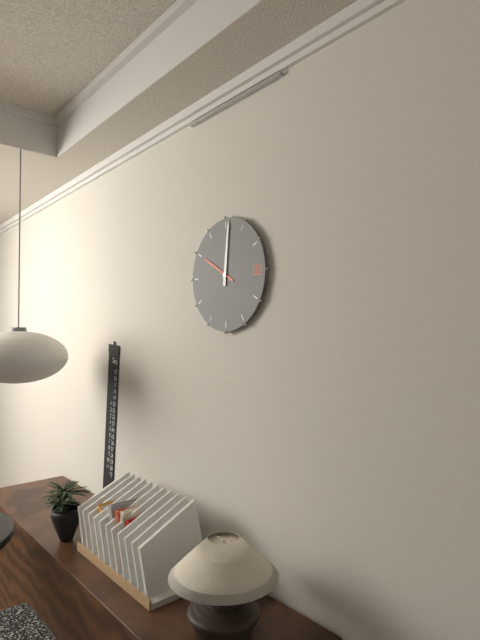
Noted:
**10:01**
